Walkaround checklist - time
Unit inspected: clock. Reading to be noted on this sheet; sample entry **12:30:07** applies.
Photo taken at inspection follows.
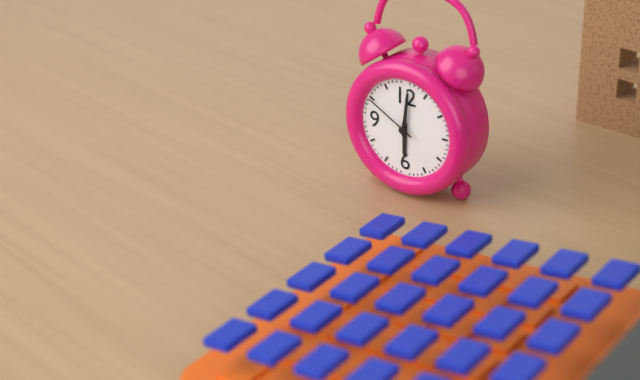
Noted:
**6:01:50**
